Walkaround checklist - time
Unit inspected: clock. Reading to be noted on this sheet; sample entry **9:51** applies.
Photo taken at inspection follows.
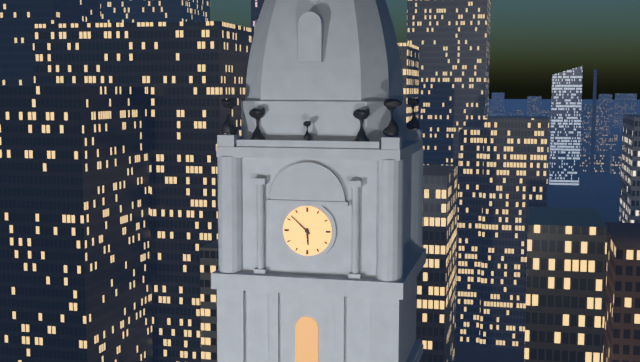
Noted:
**5:52**
